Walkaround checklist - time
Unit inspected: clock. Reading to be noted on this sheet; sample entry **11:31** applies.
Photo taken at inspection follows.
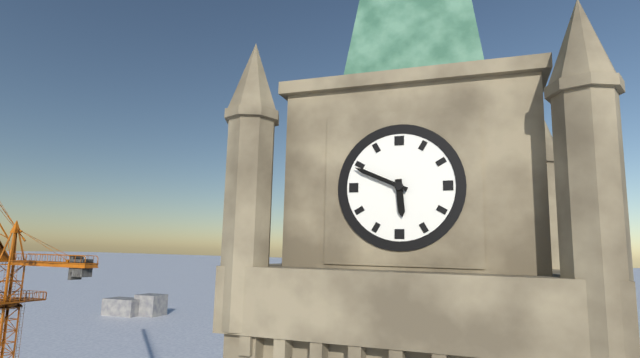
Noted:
**5:49**
